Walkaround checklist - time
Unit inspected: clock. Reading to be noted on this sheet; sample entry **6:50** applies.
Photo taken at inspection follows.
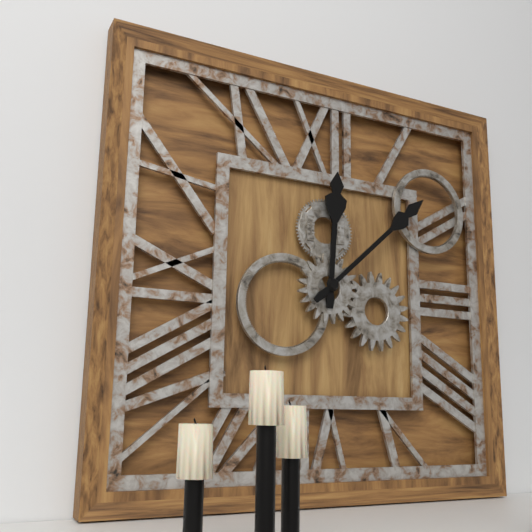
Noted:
**12:08**
